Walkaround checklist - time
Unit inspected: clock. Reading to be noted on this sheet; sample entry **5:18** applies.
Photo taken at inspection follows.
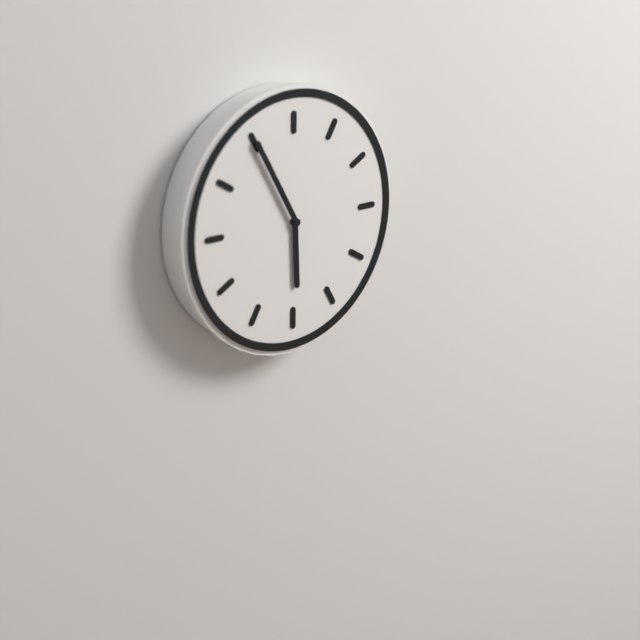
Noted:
**5:55**
